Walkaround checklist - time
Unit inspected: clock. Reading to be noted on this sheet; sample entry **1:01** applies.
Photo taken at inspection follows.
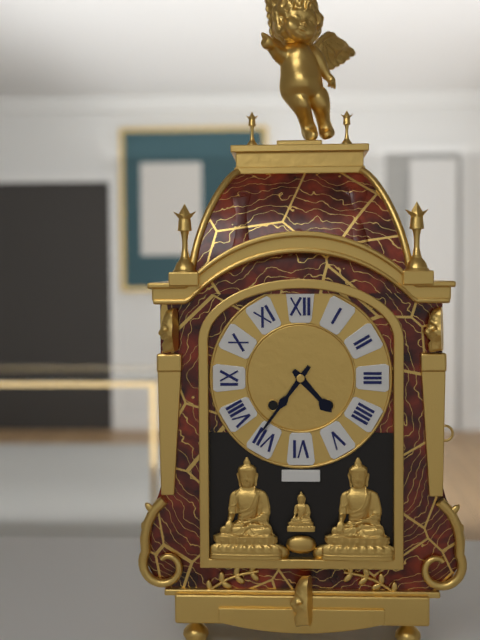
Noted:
**4:36**
